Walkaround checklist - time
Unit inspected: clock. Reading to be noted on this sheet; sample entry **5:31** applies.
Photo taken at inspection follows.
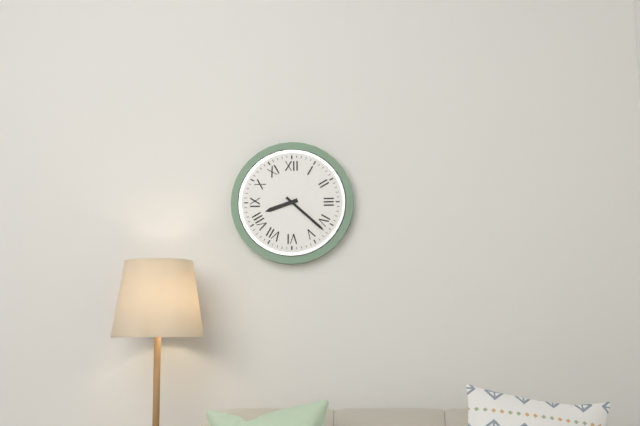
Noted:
**8:22**
